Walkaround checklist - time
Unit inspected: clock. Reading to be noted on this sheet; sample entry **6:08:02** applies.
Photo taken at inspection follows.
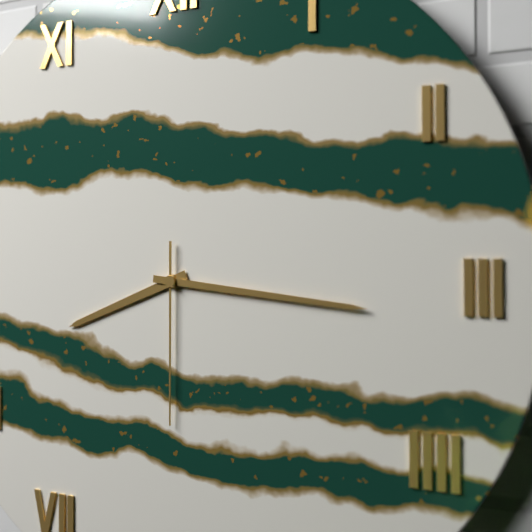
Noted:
**8:16:30**
